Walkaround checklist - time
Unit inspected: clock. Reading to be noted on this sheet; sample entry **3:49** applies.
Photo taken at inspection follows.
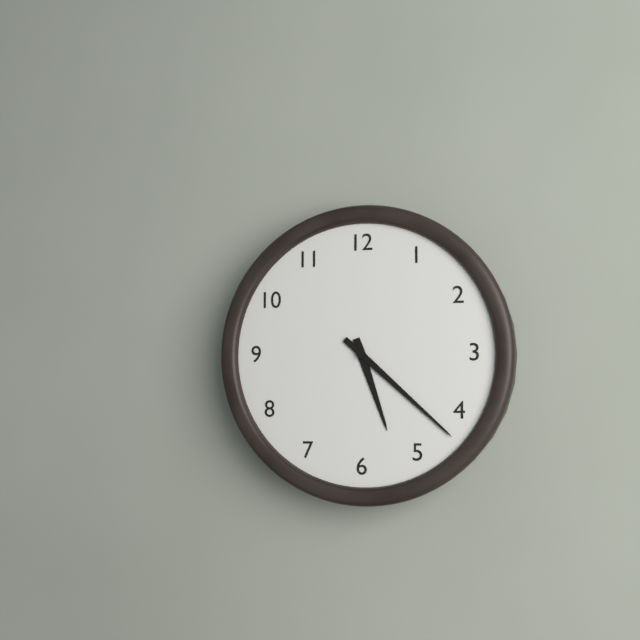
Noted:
**5:22**
